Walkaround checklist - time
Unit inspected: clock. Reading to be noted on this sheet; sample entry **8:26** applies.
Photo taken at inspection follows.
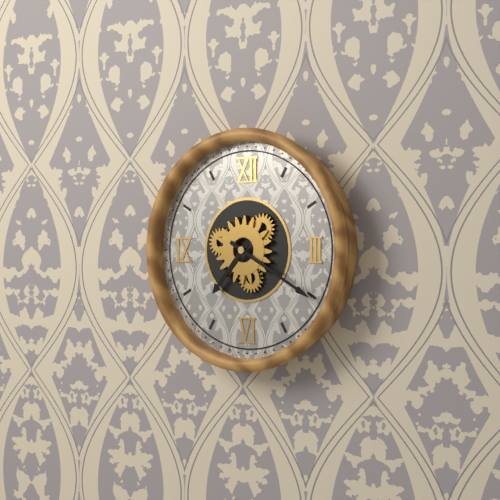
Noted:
**7:20**
